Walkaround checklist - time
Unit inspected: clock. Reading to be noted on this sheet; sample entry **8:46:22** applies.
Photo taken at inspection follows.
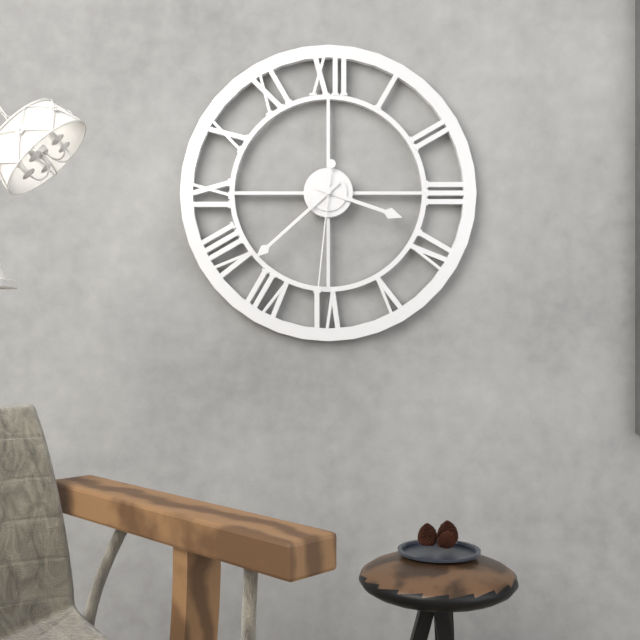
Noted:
**3:38:31**
